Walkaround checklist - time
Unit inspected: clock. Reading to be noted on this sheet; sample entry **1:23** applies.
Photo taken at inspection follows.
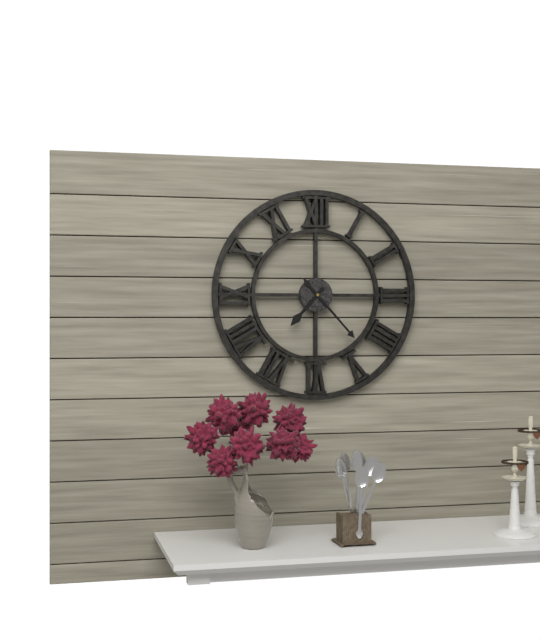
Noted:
**7:23**
